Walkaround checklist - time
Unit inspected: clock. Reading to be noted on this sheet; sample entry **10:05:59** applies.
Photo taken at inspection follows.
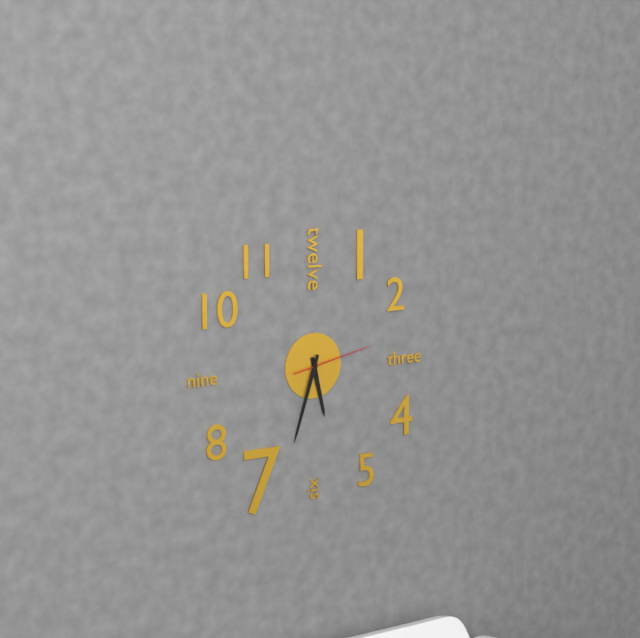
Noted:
**5:33:13**
